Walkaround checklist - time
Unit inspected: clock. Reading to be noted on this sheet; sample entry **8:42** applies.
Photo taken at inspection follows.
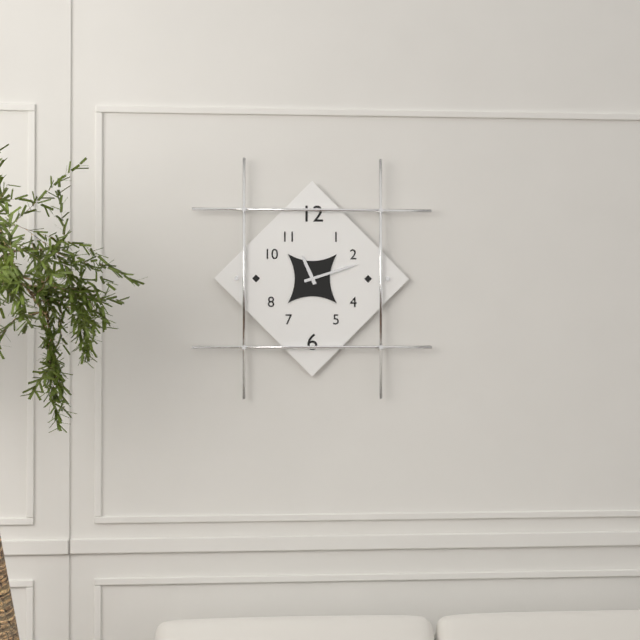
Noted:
**11:12**
